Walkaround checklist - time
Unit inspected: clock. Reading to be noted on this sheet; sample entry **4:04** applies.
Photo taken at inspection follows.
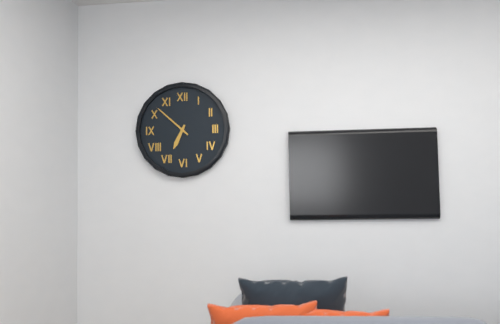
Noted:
**6:52**
